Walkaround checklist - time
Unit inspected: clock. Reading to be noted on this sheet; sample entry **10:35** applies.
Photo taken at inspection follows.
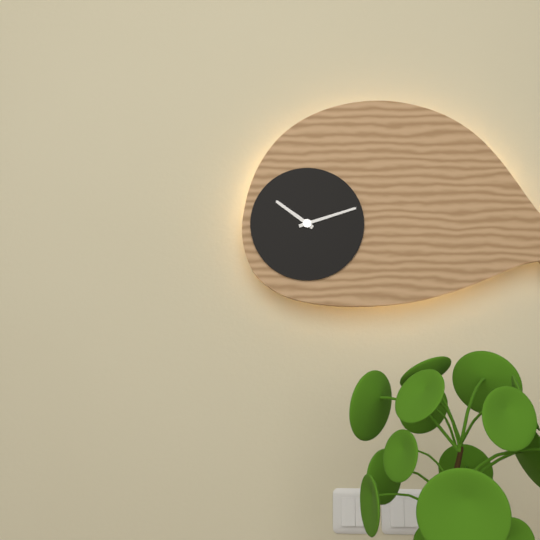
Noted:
**10:12**
